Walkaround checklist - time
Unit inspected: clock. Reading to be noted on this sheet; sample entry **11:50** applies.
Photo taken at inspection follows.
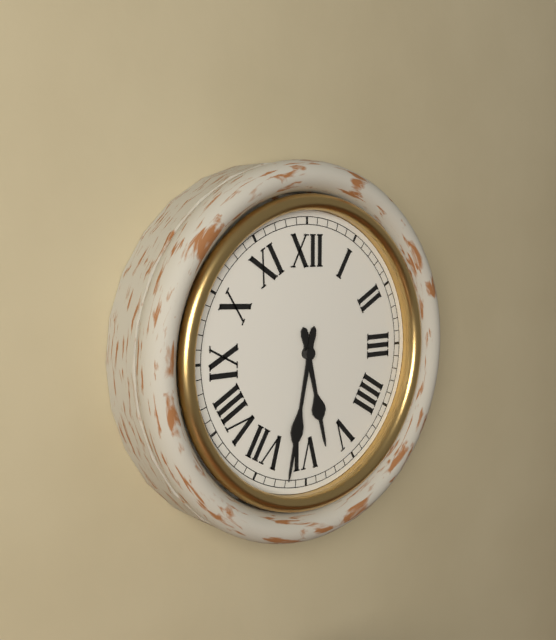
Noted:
**5:32**
